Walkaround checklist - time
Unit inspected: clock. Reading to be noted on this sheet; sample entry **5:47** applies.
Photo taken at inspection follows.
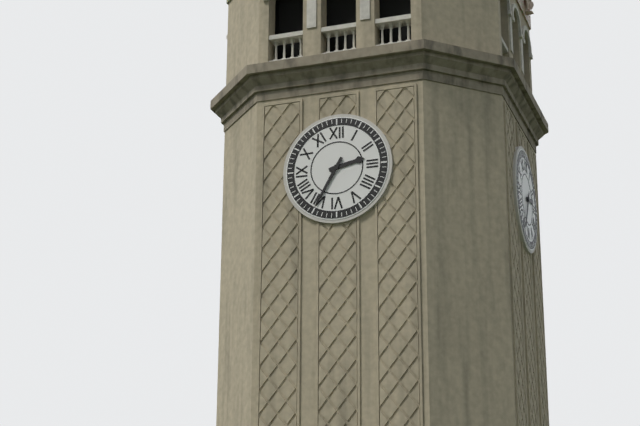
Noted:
**2:35**
